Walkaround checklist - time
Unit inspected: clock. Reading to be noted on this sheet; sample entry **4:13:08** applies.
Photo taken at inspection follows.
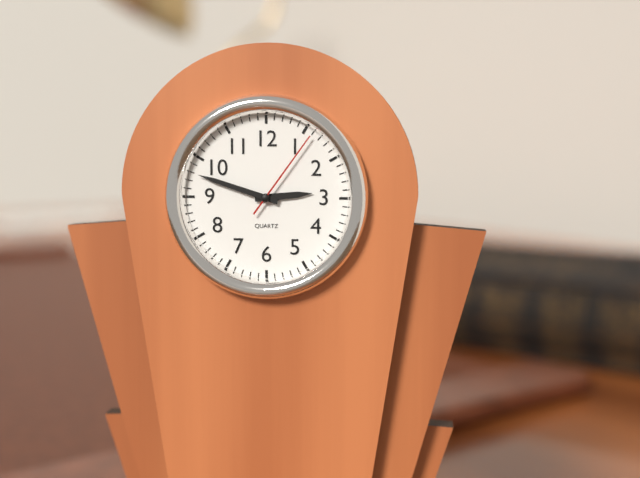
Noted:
**2:48:06**
